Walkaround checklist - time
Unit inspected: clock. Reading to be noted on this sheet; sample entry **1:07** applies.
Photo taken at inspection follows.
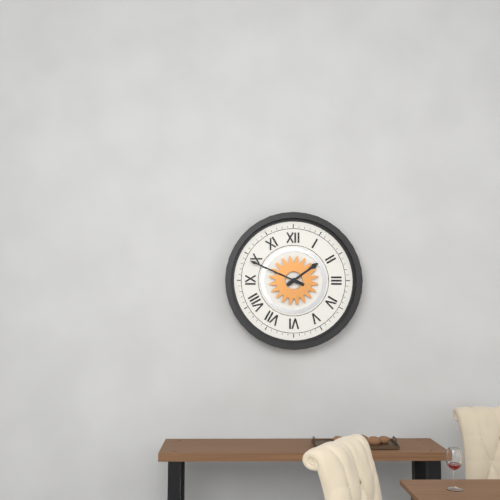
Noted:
**1:49**
